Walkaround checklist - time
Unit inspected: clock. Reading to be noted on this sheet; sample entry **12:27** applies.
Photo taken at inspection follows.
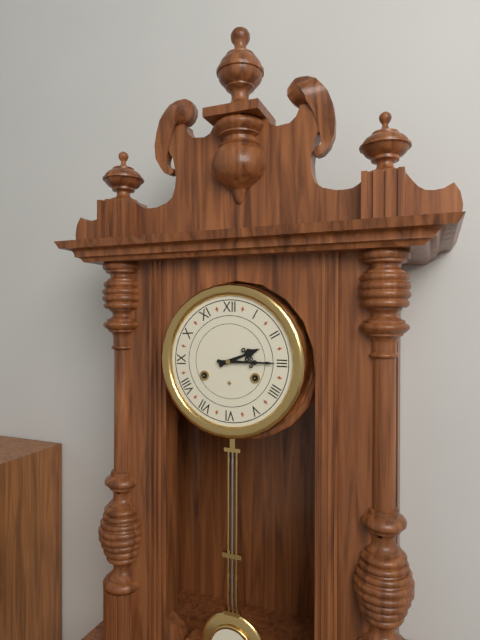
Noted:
**2:15**
